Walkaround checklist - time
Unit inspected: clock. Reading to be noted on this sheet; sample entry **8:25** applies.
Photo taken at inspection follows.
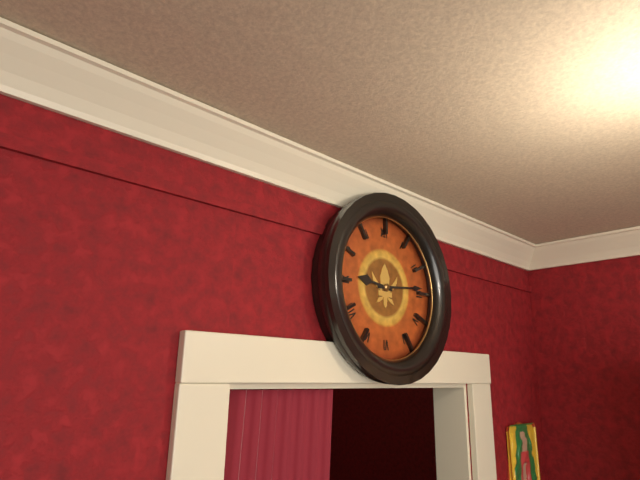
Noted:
**9:14**
